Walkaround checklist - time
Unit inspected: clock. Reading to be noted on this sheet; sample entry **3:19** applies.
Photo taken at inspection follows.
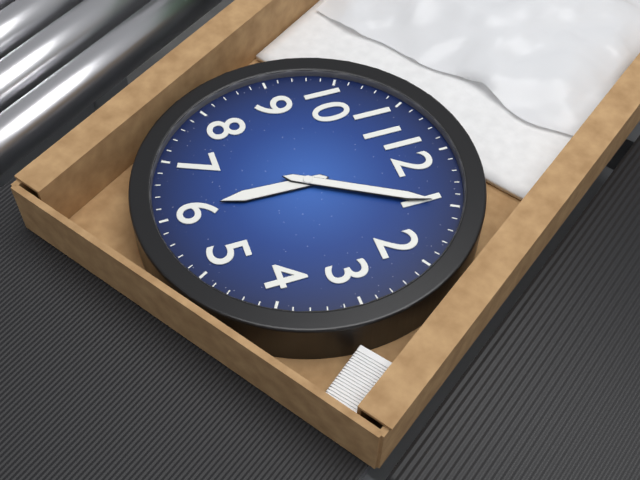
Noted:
**6:05**
